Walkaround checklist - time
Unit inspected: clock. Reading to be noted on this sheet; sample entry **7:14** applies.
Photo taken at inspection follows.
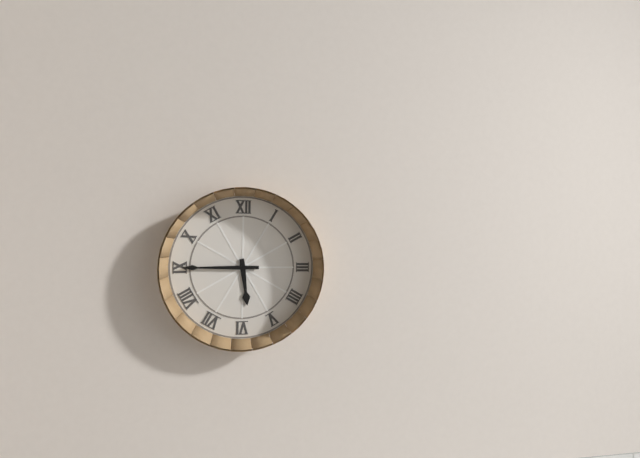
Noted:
**5:45**
